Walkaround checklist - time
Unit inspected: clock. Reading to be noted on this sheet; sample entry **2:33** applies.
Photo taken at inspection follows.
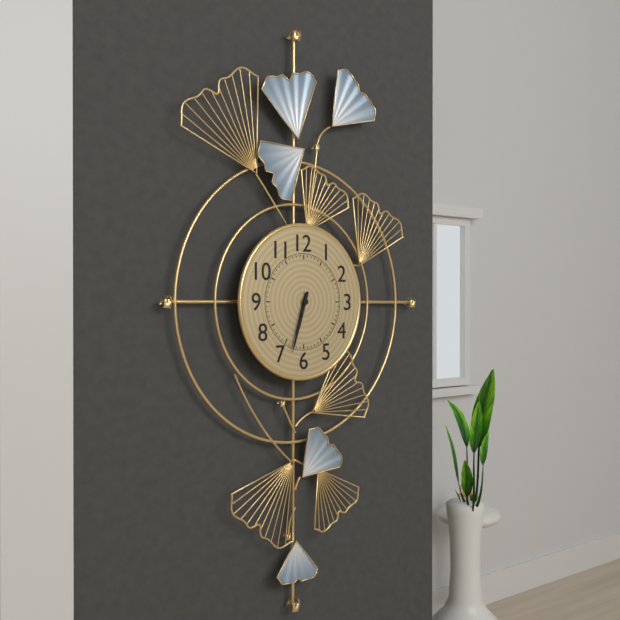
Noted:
**6:33**
